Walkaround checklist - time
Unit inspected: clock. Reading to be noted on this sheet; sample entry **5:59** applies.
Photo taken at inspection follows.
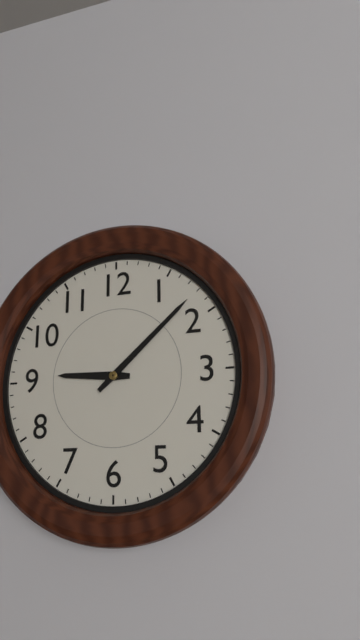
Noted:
**9:08**
